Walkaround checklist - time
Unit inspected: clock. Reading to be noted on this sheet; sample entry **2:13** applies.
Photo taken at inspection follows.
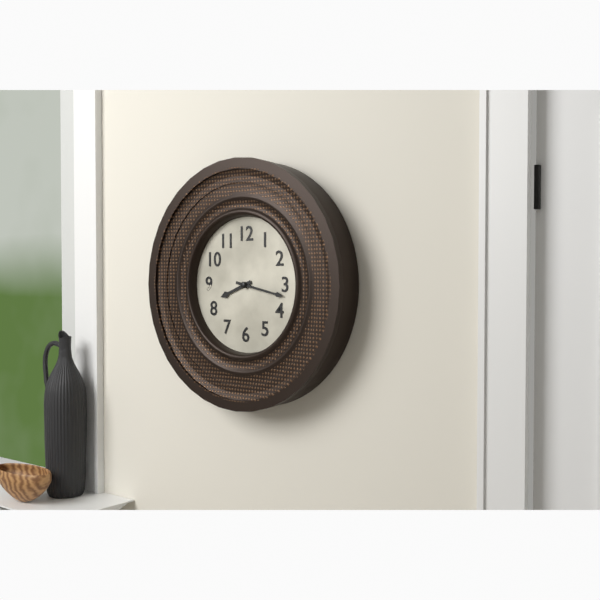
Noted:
**8:17**
